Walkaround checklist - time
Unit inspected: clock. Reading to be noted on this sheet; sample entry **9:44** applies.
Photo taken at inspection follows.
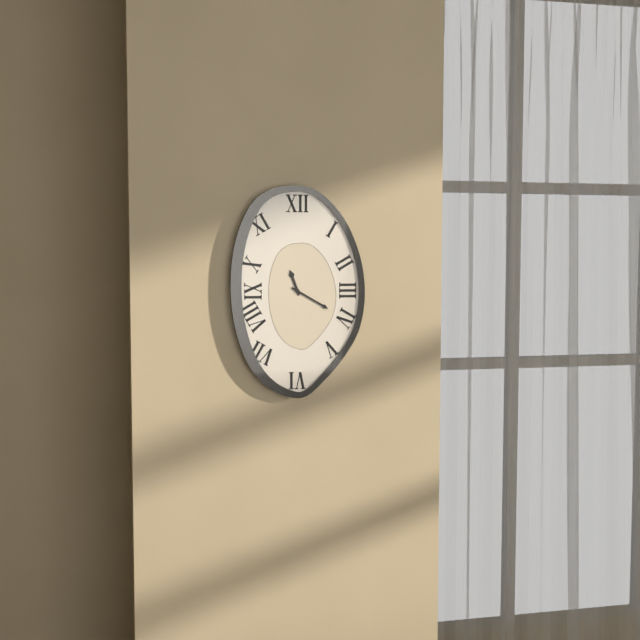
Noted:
**11:20**
